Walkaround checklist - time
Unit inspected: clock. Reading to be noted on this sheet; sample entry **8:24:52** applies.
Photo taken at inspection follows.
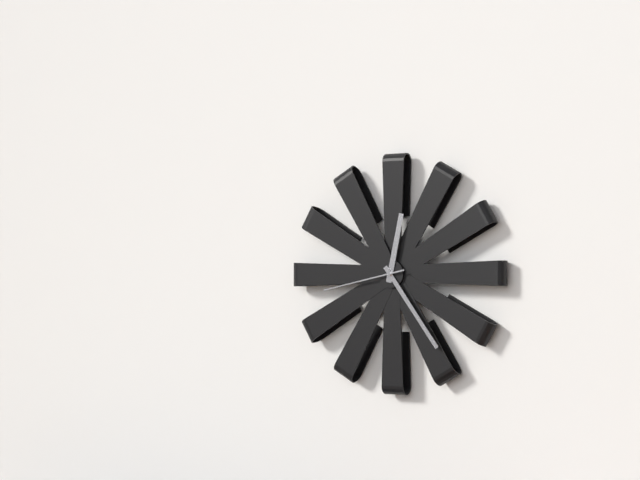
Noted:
**12:24:43**
